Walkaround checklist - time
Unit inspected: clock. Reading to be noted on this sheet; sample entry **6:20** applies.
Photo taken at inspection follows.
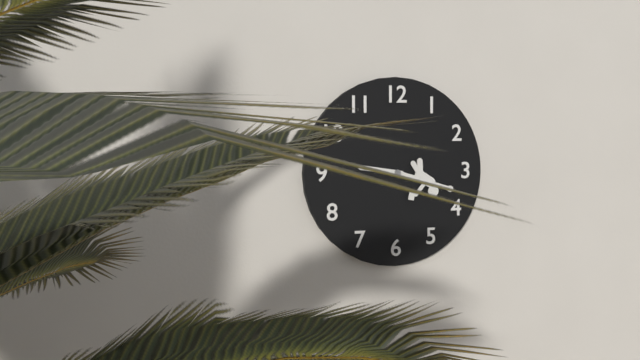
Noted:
**9:17**
